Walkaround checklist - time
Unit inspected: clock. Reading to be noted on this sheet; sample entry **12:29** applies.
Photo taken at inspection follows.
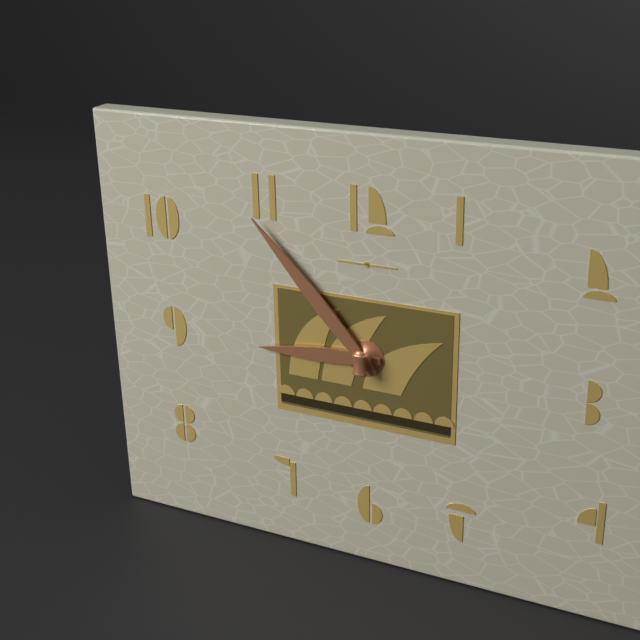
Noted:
**8:53**
